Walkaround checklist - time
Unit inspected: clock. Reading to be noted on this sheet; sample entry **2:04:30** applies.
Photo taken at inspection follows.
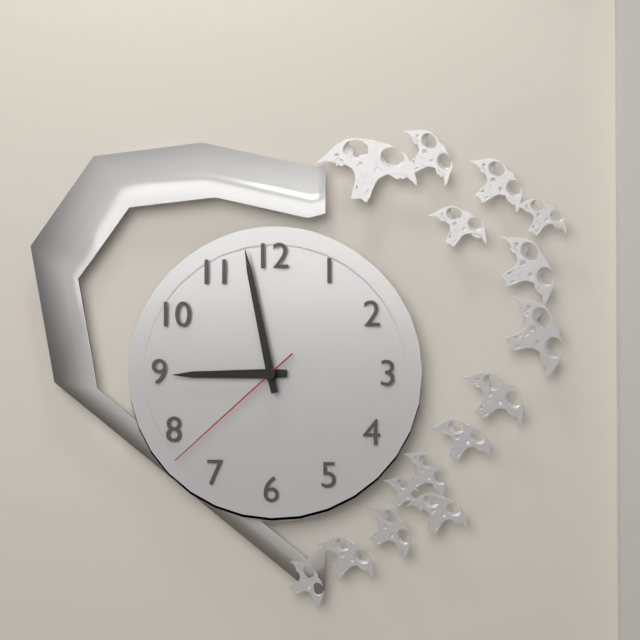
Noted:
**8:58:38**
